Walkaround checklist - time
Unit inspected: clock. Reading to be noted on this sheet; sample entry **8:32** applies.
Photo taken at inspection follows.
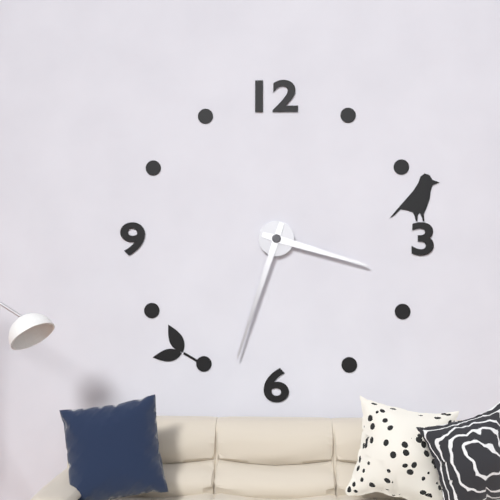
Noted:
**3:33**
